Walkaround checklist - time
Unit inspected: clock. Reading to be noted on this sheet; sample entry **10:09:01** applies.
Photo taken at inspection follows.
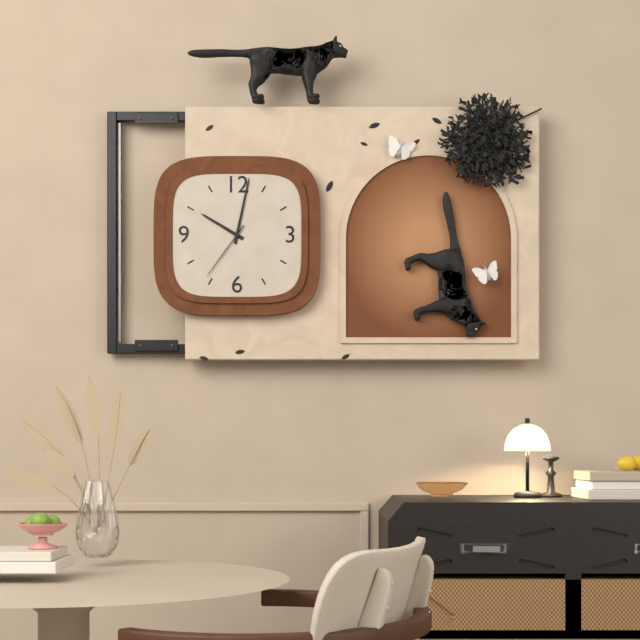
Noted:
**10:02:36**
